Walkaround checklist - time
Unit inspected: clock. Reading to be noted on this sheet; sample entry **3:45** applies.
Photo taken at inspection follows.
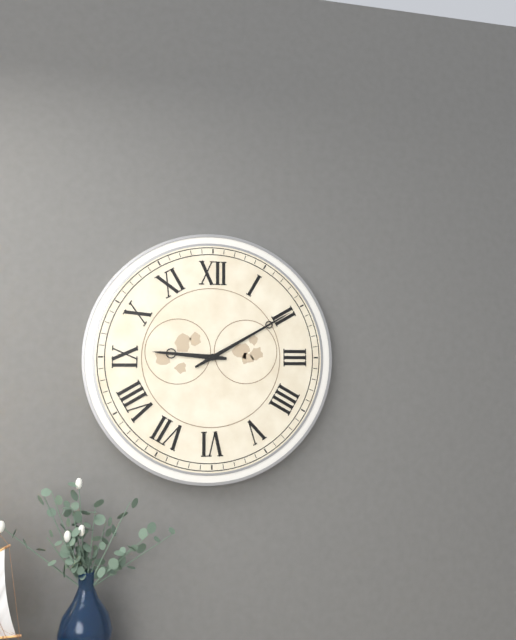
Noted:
**9:10**
